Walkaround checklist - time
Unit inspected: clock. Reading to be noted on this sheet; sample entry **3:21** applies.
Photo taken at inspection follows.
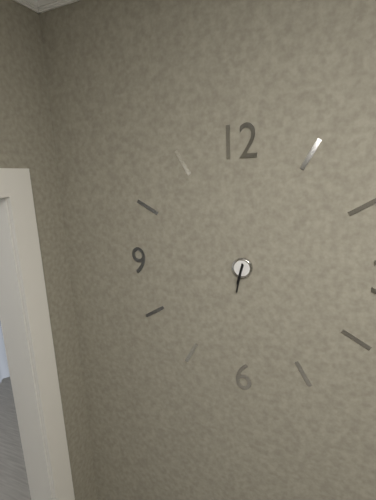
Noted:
**6:32**
